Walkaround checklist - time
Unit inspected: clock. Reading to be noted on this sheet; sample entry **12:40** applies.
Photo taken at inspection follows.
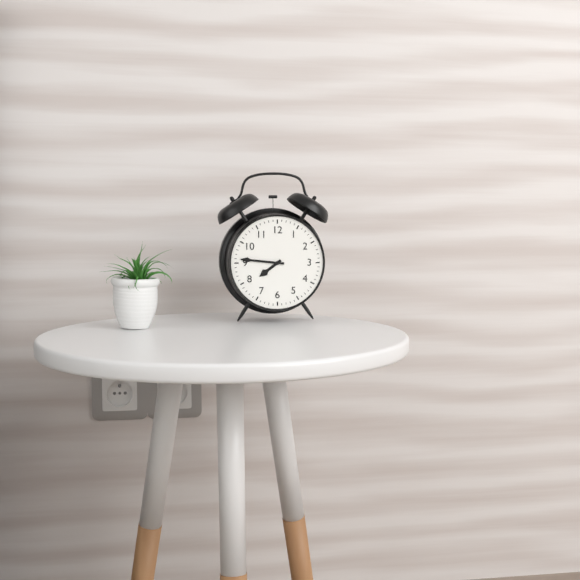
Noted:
**7:46**
